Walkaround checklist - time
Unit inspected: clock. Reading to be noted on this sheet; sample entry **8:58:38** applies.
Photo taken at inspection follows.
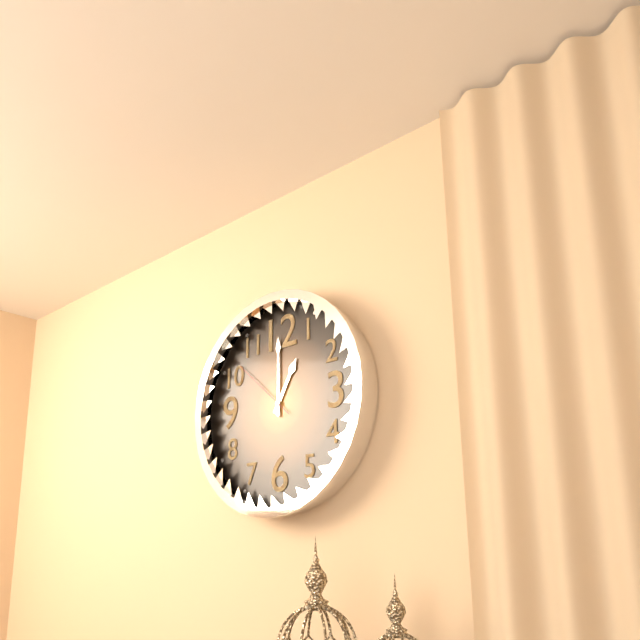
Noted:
**1:00:52**
